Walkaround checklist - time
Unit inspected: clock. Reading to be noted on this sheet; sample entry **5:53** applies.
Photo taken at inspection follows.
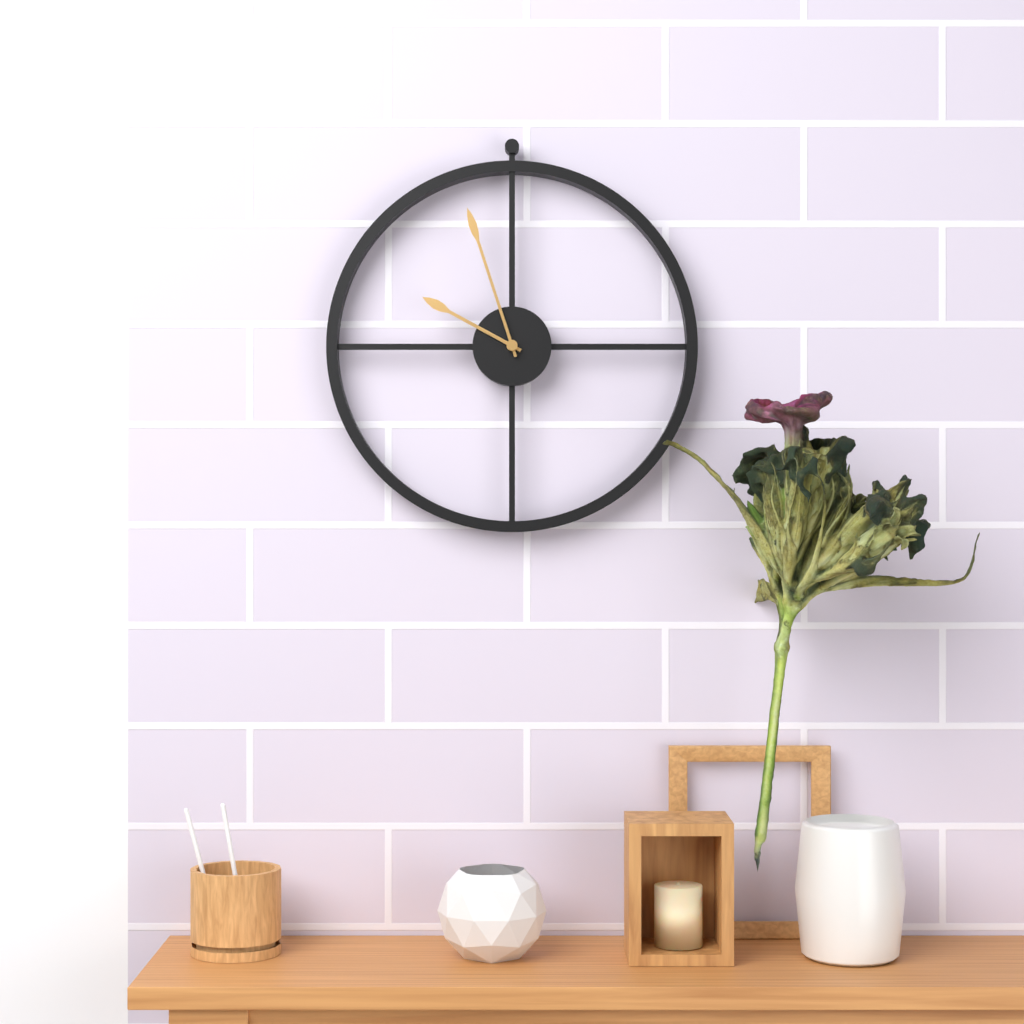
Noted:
**9:57**
